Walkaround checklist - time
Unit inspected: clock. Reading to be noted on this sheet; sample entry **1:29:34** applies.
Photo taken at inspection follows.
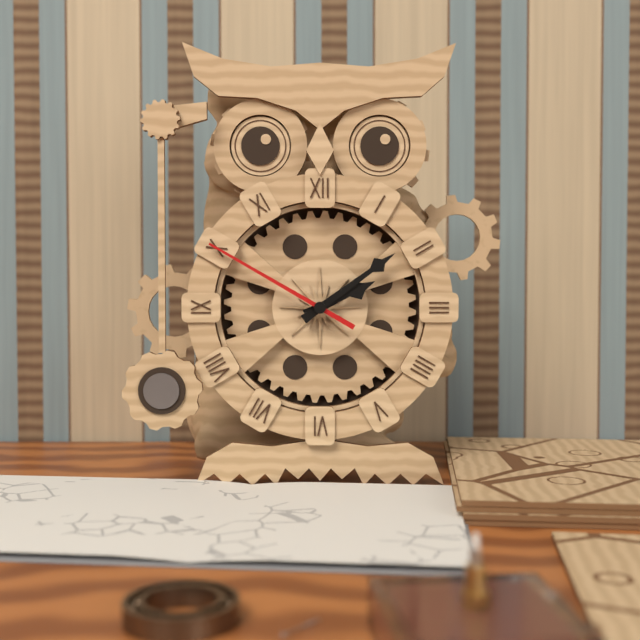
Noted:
**2:09:50**
